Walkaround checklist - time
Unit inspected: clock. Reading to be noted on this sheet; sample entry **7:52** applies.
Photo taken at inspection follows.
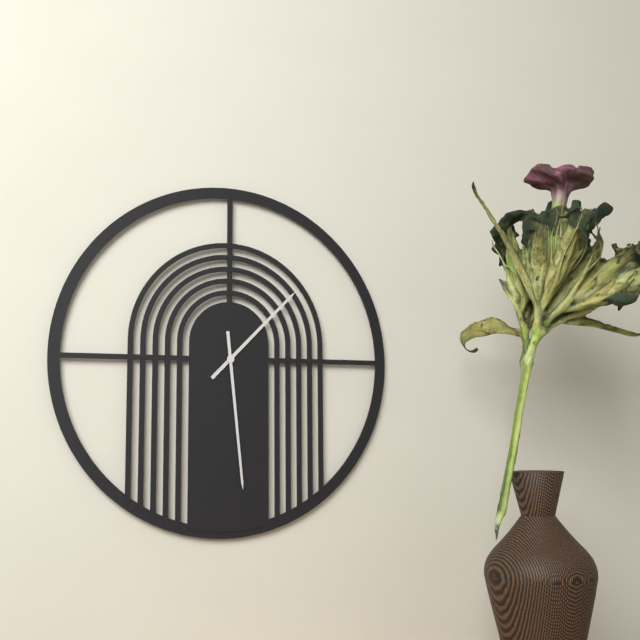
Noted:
**1:29**
